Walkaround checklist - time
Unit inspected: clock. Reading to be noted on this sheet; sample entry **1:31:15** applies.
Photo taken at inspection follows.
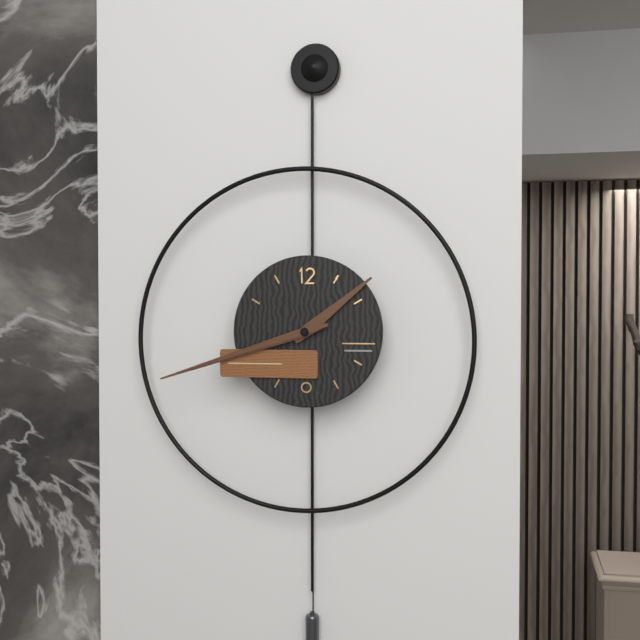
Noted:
**1:42:42**
